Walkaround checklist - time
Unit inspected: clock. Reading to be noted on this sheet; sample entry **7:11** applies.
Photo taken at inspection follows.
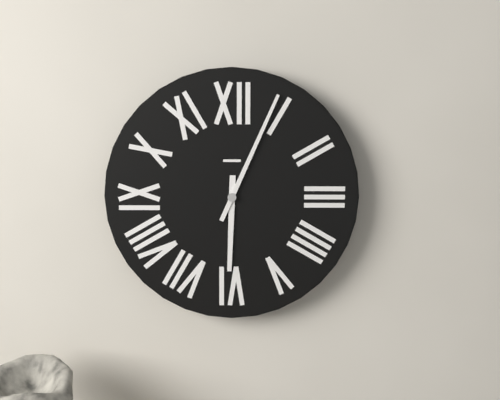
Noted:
**6:04**
